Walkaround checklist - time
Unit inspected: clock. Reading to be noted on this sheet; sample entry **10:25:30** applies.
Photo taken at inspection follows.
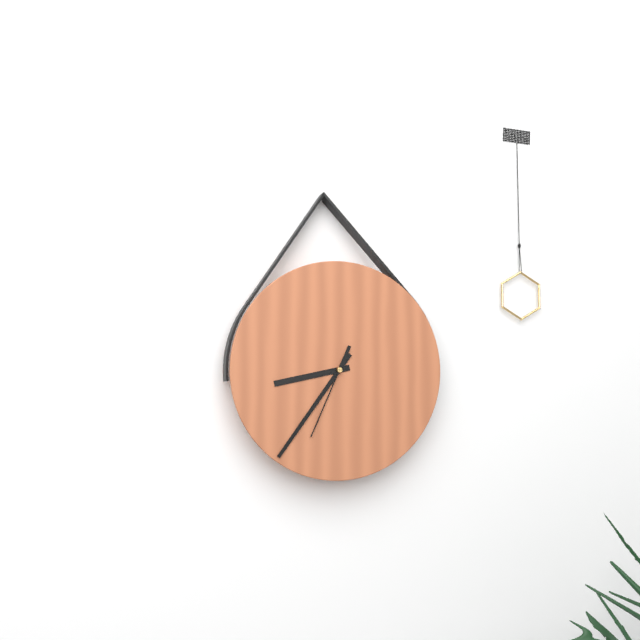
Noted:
**8:36:34**
